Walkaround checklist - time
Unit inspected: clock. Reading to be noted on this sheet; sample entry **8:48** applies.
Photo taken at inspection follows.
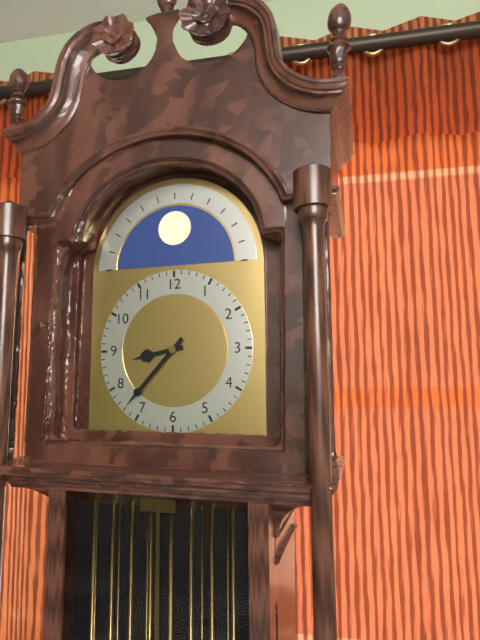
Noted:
**8:37**
